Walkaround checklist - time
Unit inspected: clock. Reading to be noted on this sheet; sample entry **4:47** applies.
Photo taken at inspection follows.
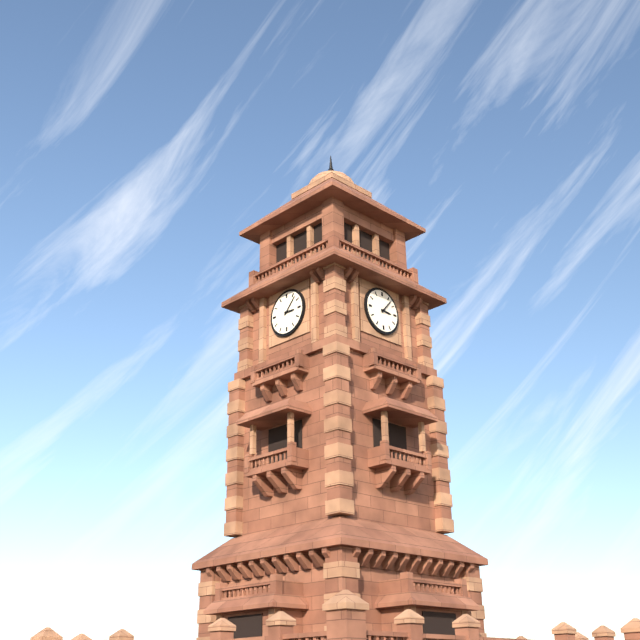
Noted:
**3:07**
